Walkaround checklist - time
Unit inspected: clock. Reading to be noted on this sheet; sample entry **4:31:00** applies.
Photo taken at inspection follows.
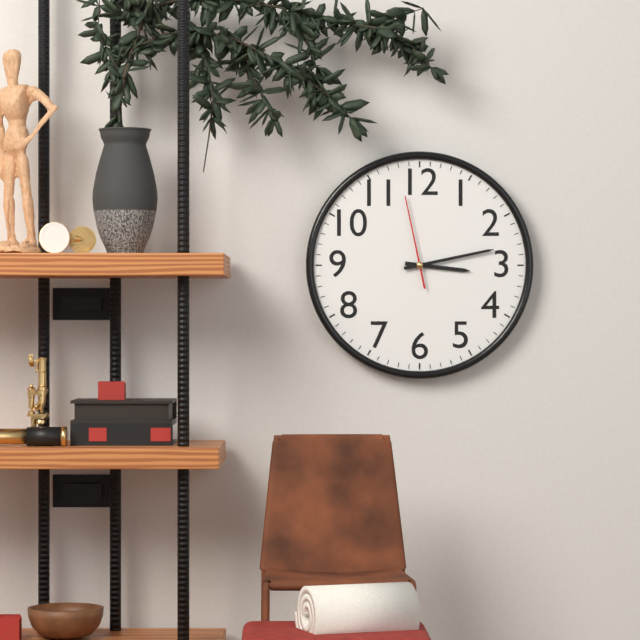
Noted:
**3:13:58**
